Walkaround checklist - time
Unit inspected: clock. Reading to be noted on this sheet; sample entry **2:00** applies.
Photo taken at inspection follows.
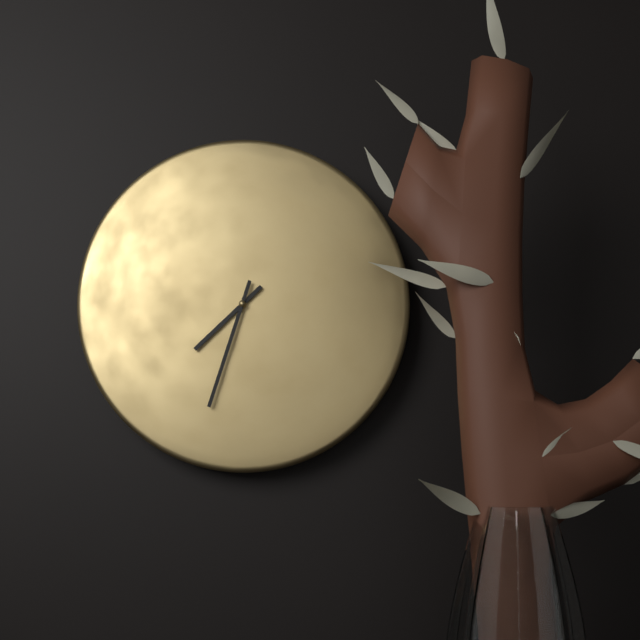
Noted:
**7:33**
